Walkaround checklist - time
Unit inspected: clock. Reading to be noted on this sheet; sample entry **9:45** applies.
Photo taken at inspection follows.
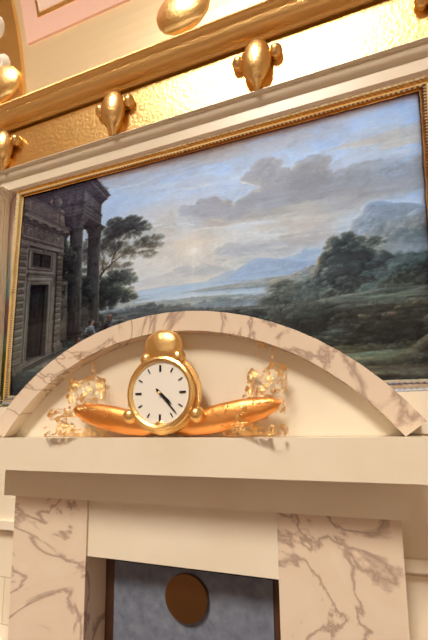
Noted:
**4:23**
